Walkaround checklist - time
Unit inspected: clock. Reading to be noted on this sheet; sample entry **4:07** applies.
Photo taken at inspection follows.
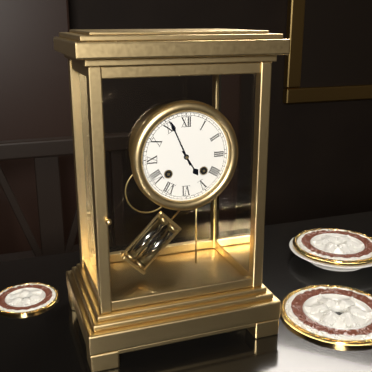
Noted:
**4:56**
